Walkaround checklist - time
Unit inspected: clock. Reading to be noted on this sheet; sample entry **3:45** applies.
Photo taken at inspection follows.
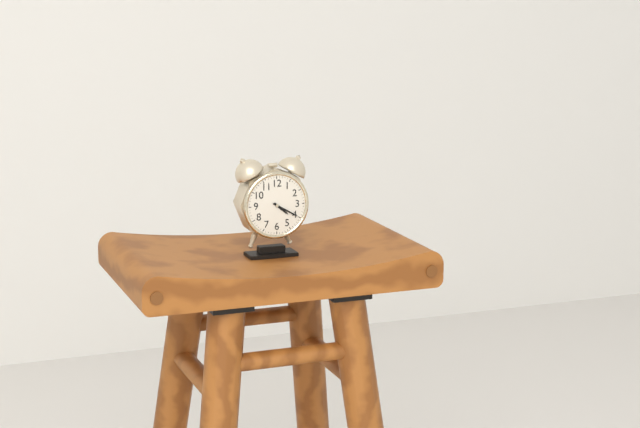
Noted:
**4:20**
